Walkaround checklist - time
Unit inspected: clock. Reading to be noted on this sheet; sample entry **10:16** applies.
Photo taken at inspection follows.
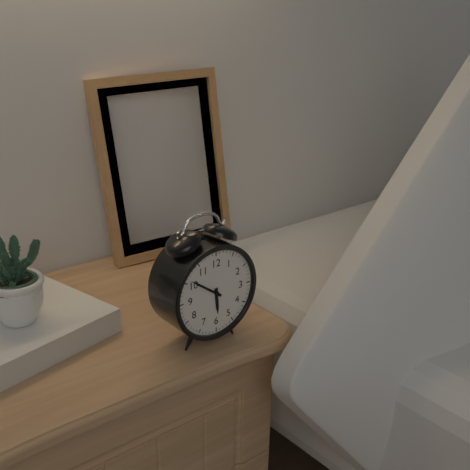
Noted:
**5:51**
